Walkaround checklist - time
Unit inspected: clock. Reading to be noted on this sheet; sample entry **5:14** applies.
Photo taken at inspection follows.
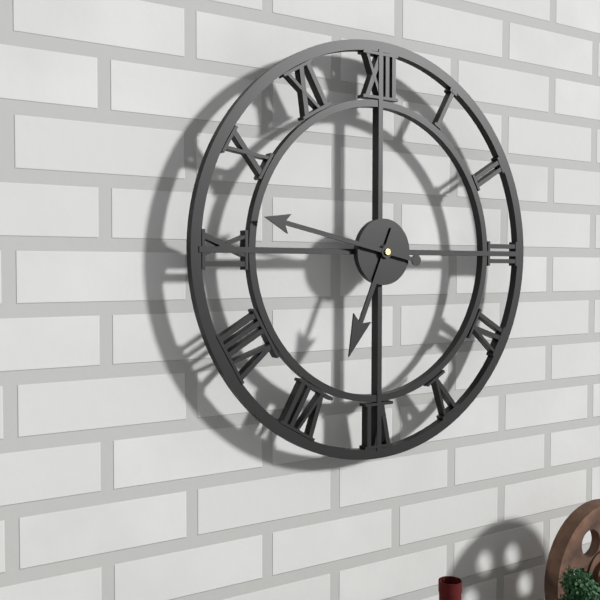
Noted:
**6:47**
